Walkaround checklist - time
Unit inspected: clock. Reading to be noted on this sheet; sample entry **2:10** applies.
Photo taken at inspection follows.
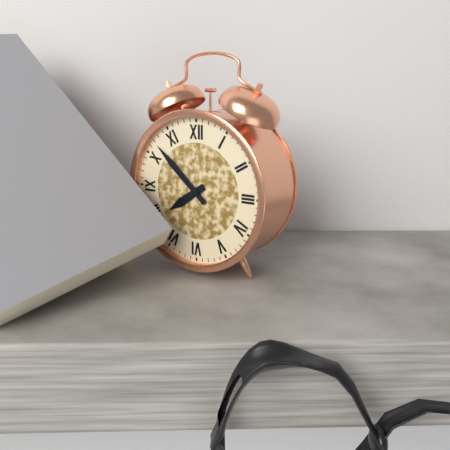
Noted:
**7:52**
